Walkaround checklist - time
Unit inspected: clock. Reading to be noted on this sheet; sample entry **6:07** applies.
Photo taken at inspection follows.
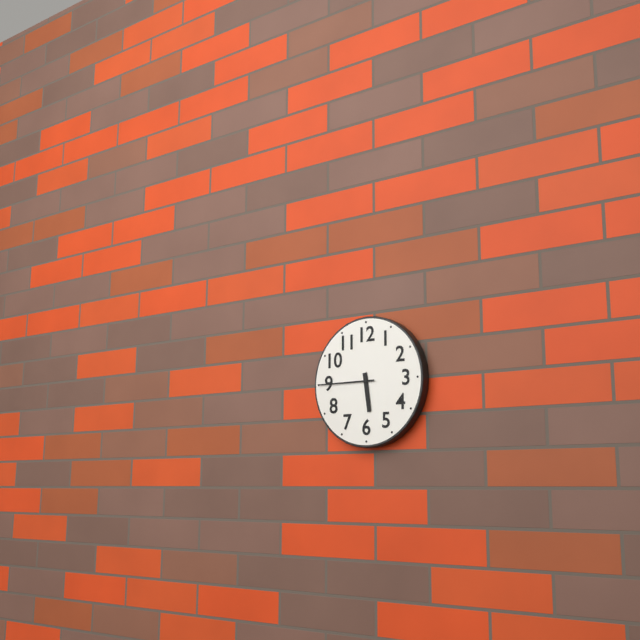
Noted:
**5:45**
